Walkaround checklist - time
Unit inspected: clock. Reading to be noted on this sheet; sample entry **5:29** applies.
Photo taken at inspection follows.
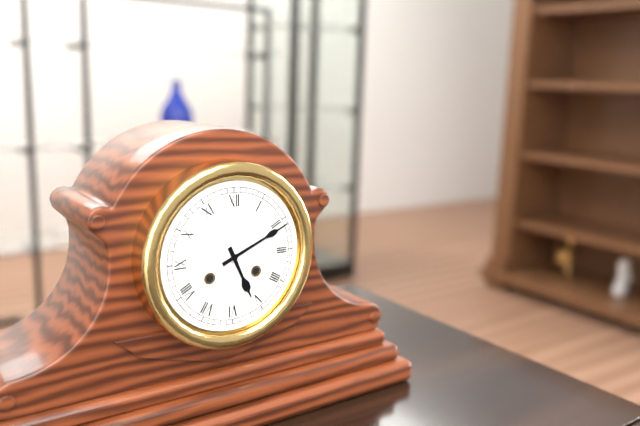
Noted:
**5:11**
